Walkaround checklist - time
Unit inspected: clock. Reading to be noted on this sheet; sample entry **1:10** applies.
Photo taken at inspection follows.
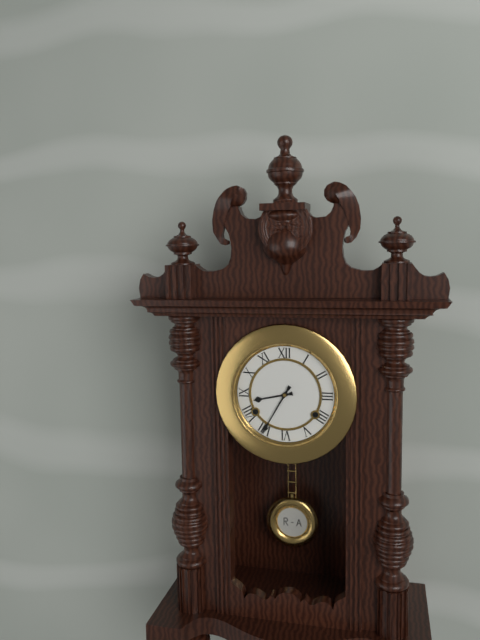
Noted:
**8:35**
